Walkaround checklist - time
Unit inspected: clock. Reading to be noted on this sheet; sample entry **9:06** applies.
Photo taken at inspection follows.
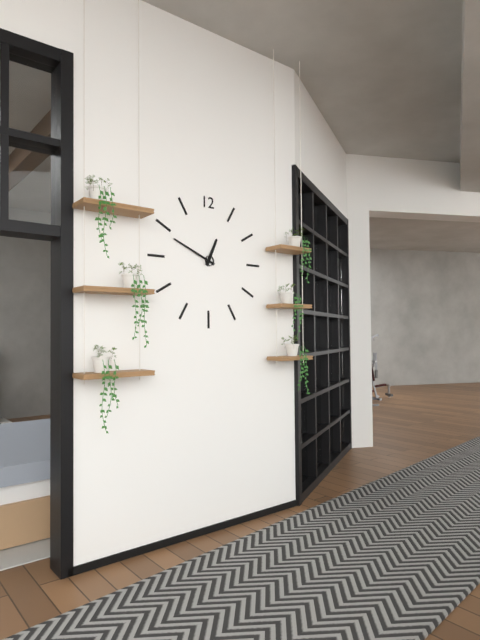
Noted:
**12:49**
